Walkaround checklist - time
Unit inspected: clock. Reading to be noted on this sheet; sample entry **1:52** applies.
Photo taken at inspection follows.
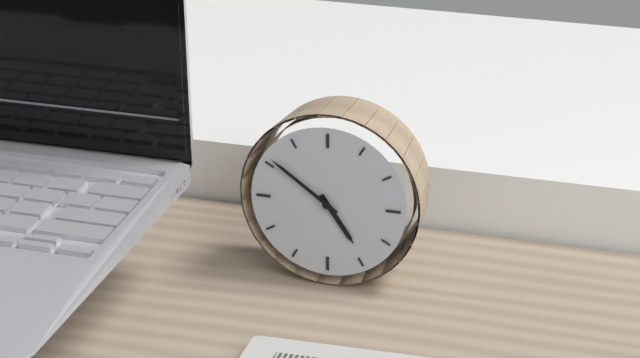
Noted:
**4:51**
